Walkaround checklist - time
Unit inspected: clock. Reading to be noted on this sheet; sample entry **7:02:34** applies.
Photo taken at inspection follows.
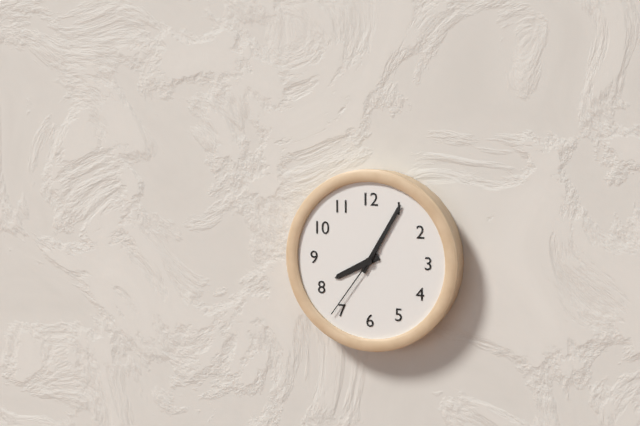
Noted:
**8:05:36**
